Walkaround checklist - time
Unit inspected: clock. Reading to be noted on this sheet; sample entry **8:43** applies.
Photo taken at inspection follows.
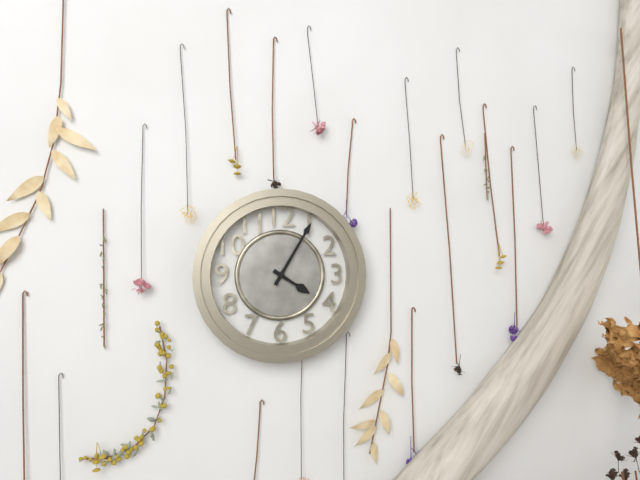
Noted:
**4:05**
